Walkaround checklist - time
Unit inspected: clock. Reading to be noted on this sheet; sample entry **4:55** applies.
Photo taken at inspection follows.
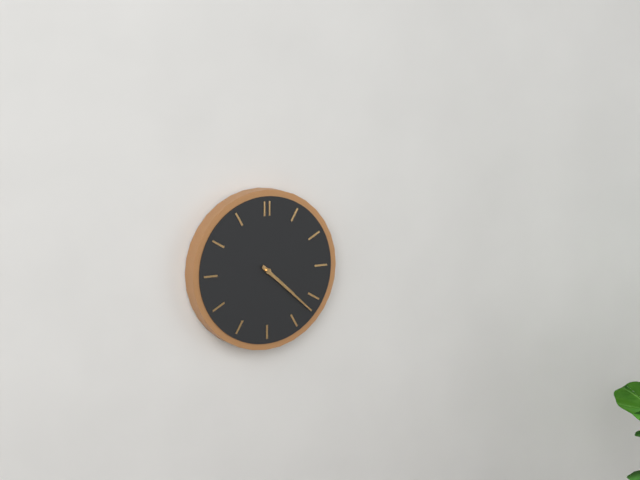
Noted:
**4:22**
